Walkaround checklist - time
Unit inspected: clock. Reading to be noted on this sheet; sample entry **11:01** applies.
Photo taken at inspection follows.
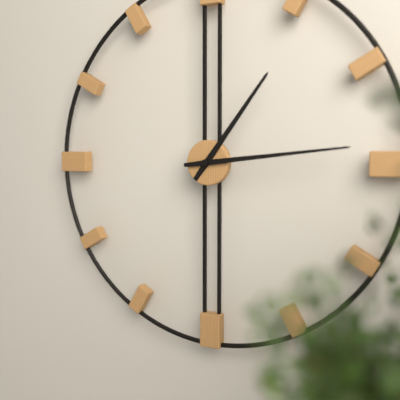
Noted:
**1:14**
